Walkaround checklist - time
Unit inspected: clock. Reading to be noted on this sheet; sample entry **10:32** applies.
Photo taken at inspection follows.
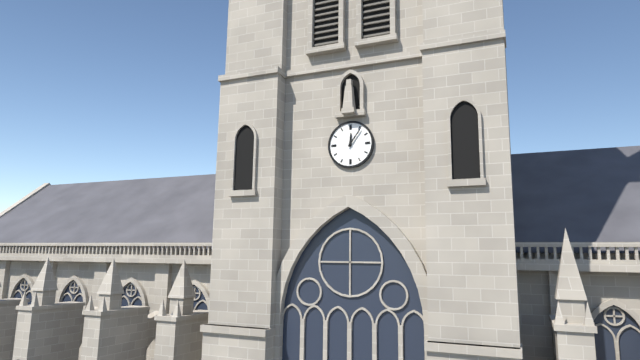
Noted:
**12:06**
